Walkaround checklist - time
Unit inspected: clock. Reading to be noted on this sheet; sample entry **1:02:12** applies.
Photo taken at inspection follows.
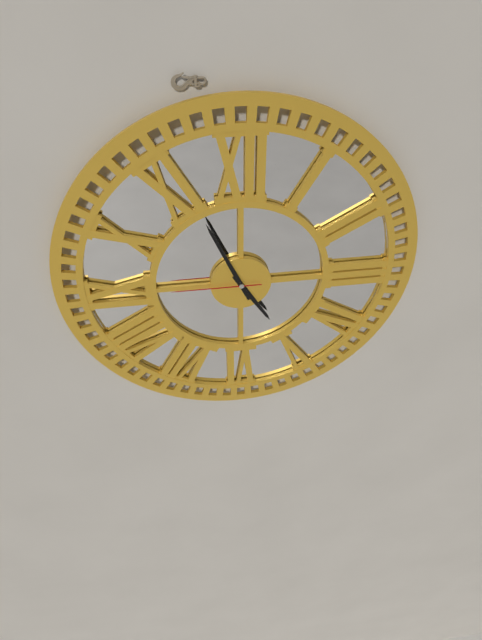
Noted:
**4:56:45**
